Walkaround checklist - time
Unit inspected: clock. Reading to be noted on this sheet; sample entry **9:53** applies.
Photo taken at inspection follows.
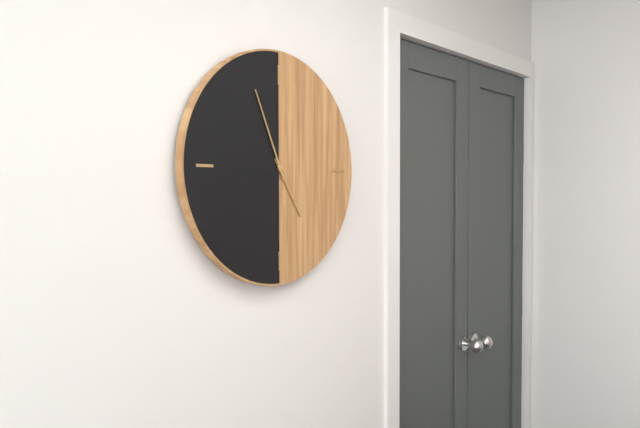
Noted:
**4:56**
